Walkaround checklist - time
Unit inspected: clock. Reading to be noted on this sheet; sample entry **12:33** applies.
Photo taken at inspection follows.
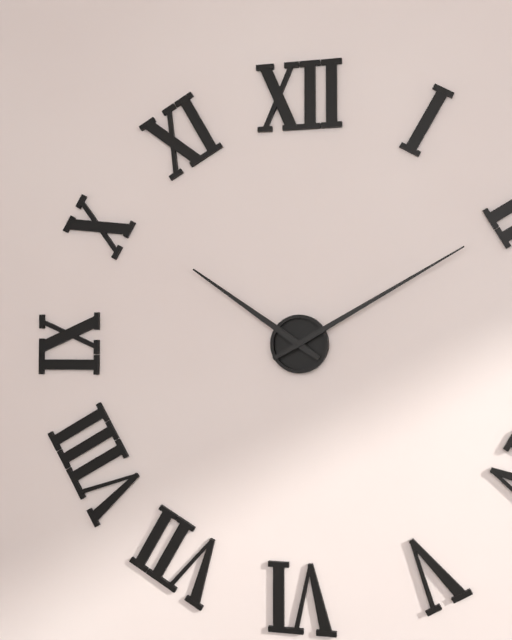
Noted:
**10:10**
